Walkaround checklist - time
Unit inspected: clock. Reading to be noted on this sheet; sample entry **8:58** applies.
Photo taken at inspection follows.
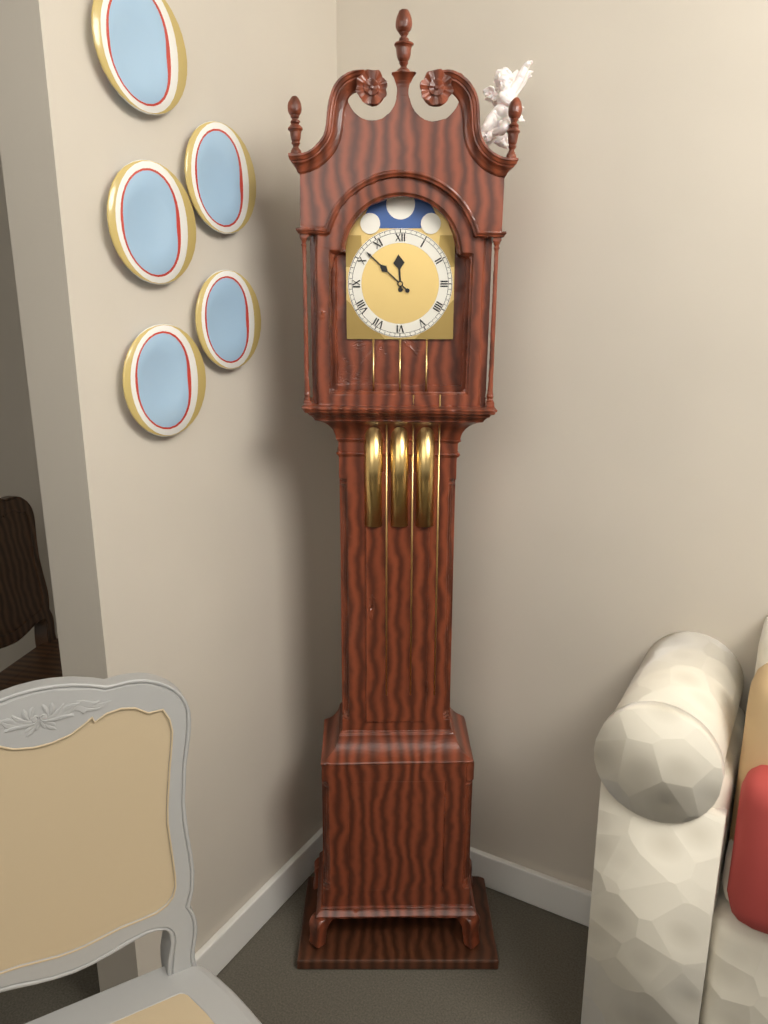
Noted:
**11:52**
